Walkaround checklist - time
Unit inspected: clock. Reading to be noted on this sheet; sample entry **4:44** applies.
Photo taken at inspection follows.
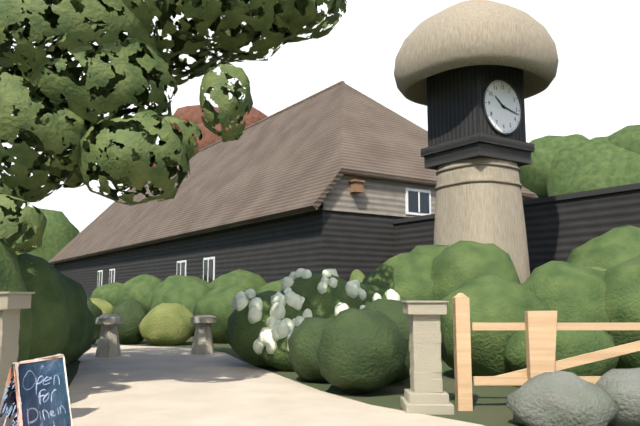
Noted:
**10:17**
